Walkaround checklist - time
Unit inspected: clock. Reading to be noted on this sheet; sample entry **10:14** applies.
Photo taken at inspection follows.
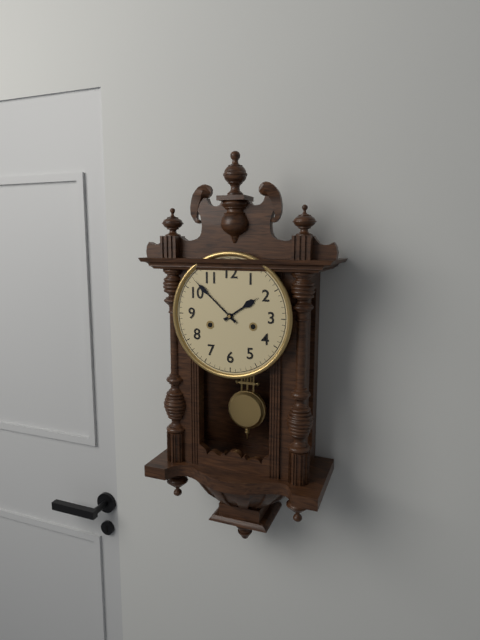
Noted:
**1:52**
